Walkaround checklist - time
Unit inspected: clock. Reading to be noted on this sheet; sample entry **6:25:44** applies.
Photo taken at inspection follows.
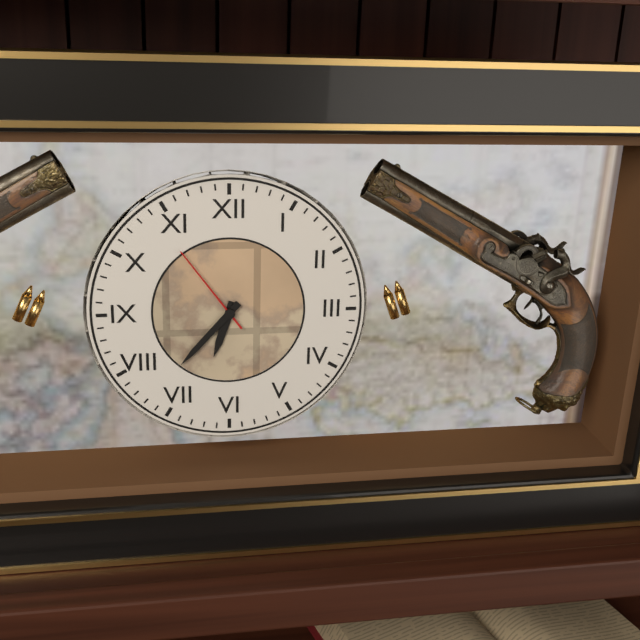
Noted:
**6:37:54**
